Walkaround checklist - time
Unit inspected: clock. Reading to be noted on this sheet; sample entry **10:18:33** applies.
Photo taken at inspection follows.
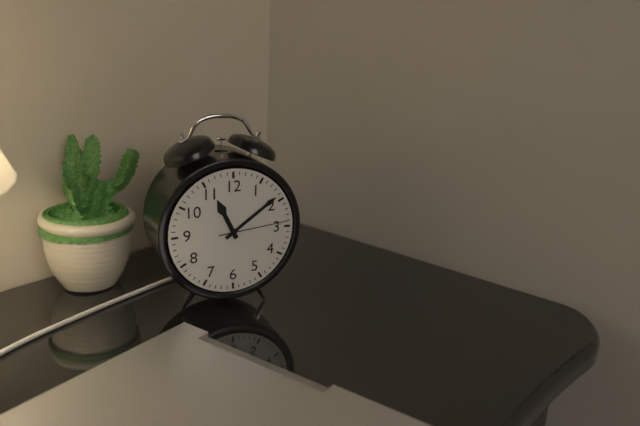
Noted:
**11:09:14**
